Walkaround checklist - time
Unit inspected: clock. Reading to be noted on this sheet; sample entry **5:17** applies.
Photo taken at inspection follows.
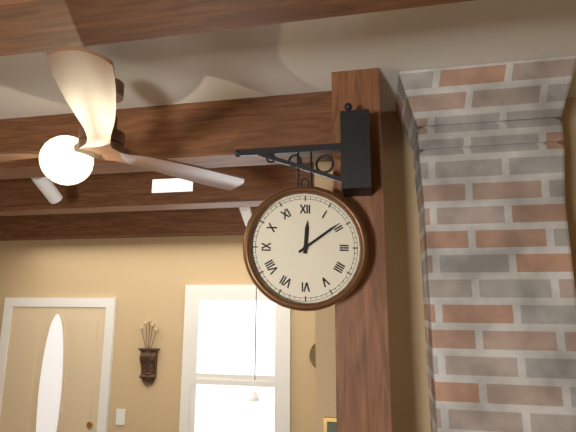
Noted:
**12:09**
